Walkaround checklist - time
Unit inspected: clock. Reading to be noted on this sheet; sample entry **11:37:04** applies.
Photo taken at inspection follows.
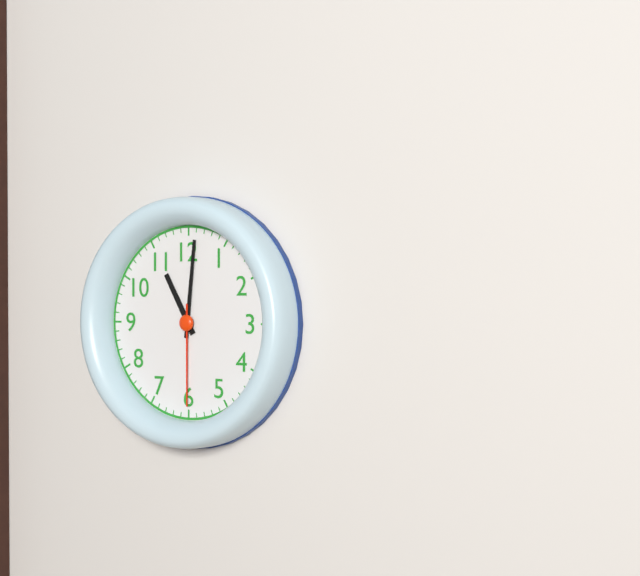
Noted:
**11:01:30**
